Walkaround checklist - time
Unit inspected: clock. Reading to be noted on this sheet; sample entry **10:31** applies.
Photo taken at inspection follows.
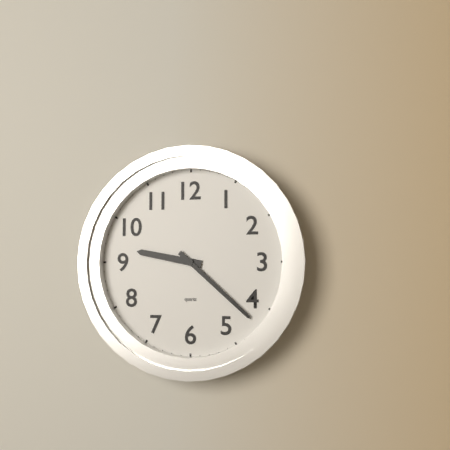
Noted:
**9:22**
